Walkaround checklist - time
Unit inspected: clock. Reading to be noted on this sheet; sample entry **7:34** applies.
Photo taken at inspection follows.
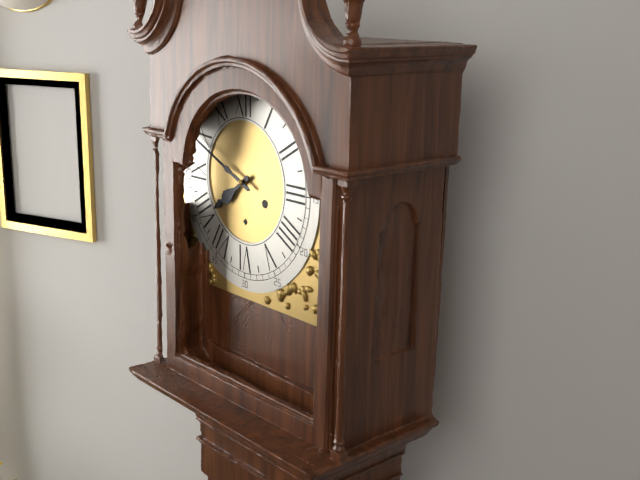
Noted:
**7:49**
